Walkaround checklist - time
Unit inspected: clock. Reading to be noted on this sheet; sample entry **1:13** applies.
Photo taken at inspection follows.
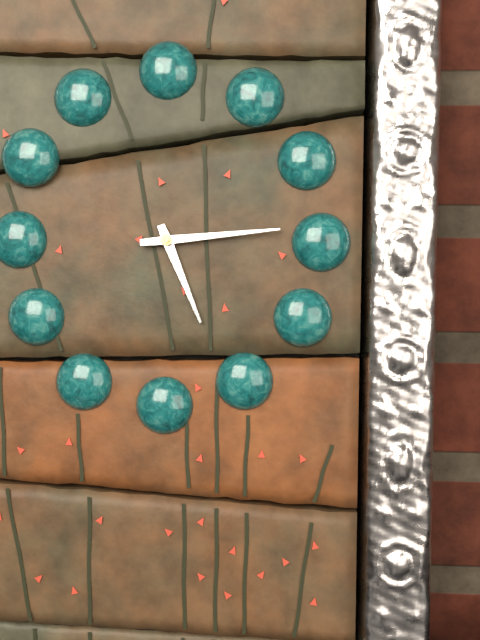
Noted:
**5:14**
